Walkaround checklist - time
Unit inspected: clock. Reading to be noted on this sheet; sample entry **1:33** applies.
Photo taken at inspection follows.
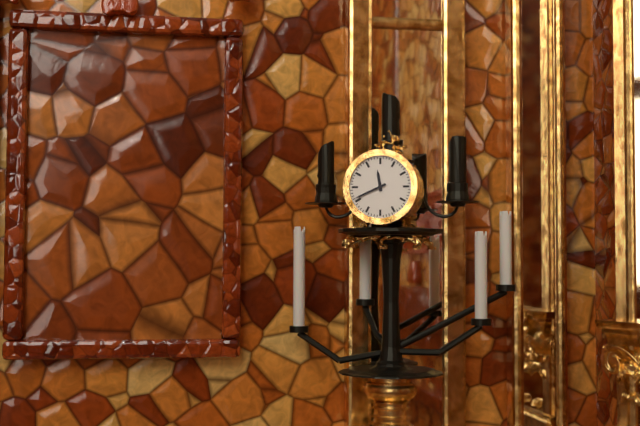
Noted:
**11:41**
